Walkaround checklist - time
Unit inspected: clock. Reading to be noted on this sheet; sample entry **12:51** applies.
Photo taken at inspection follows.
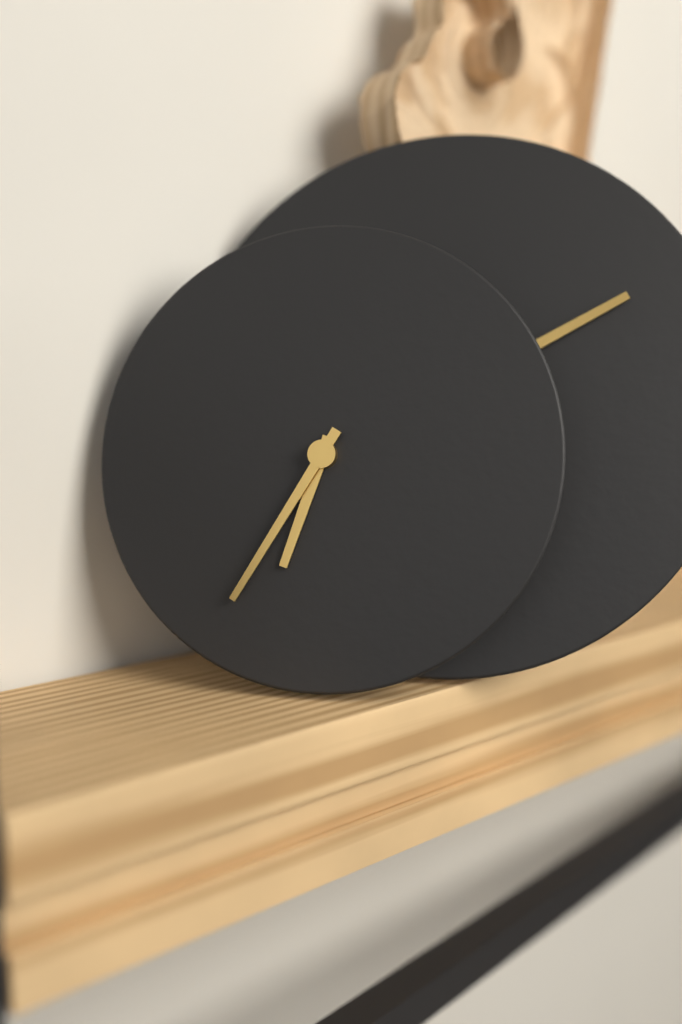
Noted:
**6:35**
